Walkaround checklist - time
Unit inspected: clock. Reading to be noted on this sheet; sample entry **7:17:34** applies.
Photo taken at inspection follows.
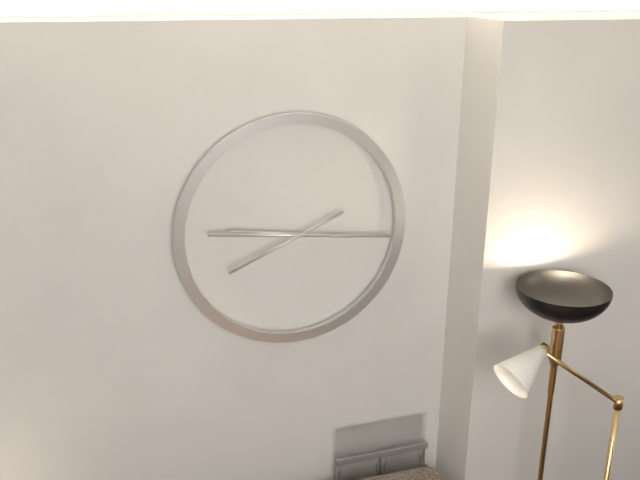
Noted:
**9:16:41**
